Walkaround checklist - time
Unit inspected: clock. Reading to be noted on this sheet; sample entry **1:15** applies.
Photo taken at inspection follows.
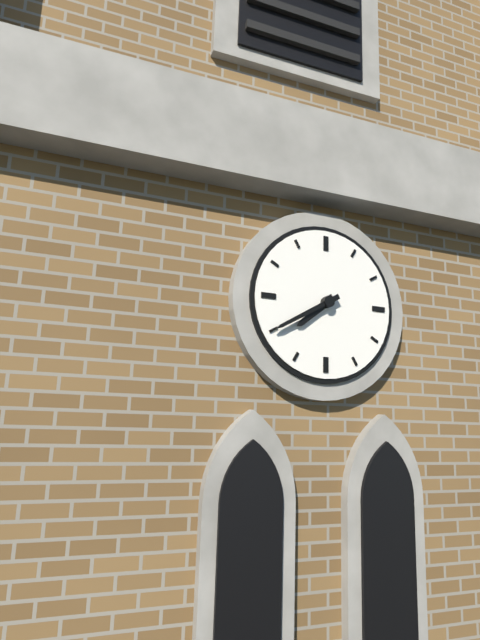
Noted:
**7:40**
